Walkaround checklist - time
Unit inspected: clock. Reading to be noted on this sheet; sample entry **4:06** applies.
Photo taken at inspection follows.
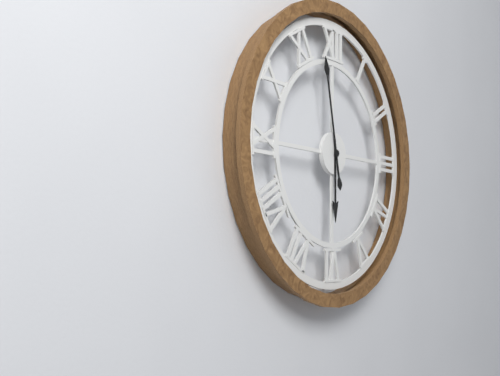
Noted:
**5:58**
